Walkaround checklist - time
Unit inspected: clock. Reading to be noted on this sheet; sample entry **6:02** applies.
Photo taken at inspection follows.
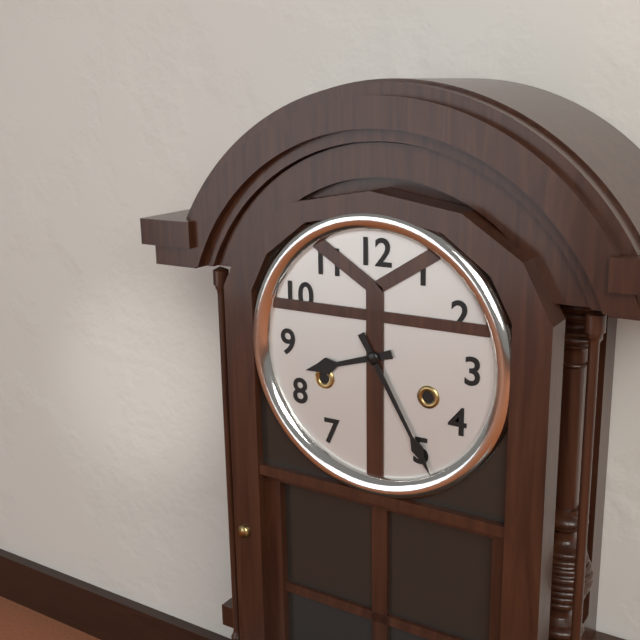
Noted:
**8:25**
